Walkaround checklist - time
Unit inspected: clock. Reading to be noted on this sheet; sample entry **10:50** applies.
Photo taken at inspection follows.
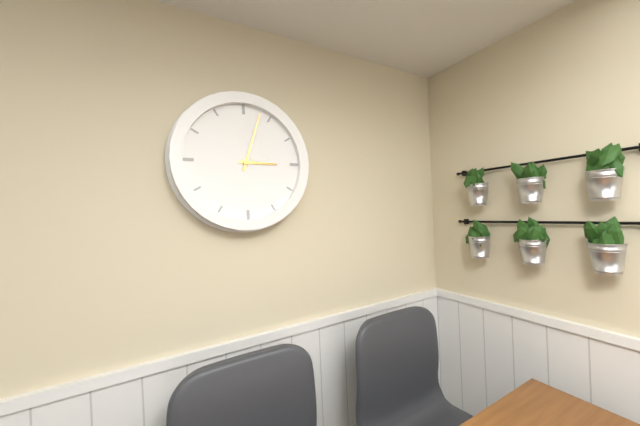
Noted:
**3:03**
